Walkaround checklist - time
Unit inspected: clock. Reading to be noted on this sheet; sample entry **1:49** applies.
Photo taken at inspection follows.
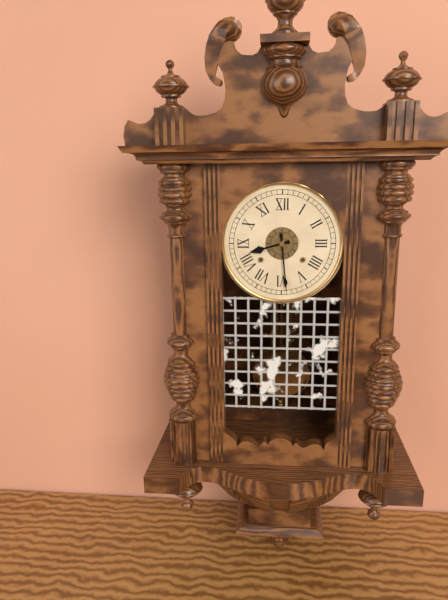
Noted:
**8:29**
